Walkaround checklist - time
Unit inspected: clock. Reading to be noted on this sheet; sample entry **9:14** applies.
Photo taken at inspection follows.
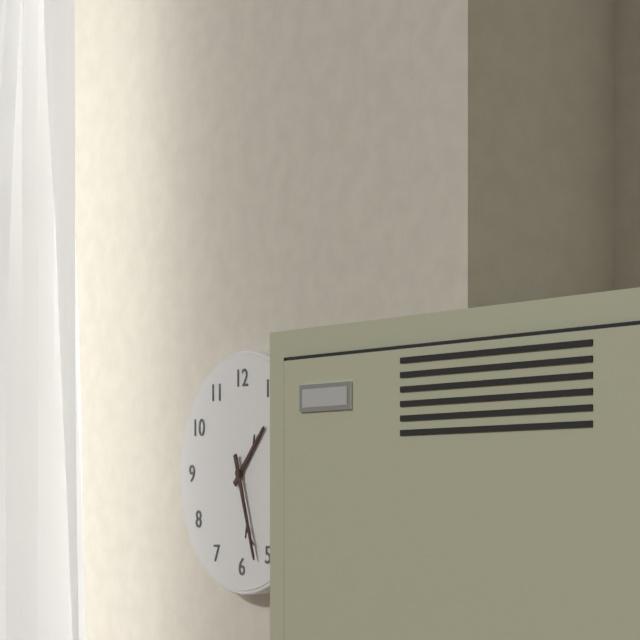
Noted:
**1:27**
